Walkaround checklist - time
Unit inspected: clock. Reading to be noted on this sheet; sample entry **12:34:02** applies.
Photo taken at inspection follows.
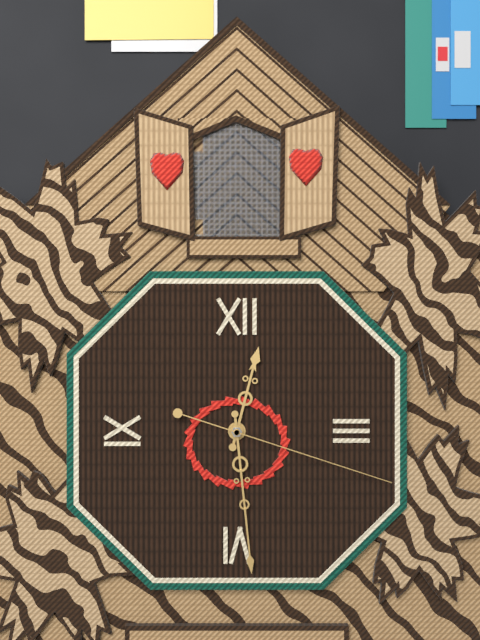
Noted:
**12:29:18**
